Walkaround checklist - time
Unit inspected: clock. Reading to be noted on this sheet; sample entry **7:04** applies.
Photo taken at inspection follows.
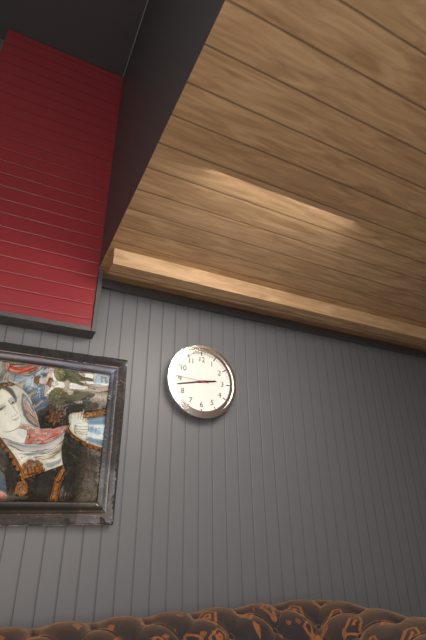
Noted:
**2:43**
